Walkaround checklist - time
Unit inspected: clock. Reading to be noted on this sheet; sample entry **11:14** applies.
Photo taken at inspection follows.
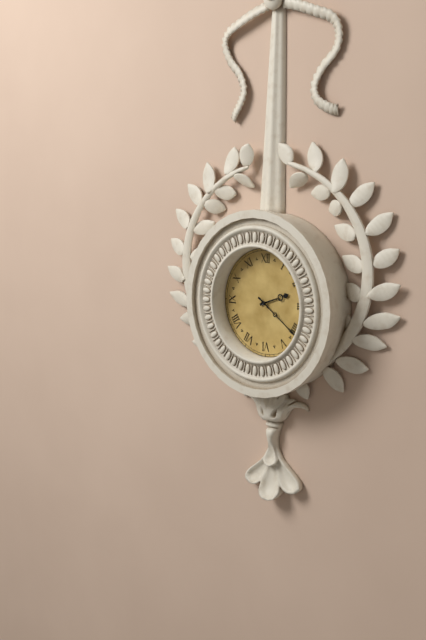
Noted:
**2:21**
